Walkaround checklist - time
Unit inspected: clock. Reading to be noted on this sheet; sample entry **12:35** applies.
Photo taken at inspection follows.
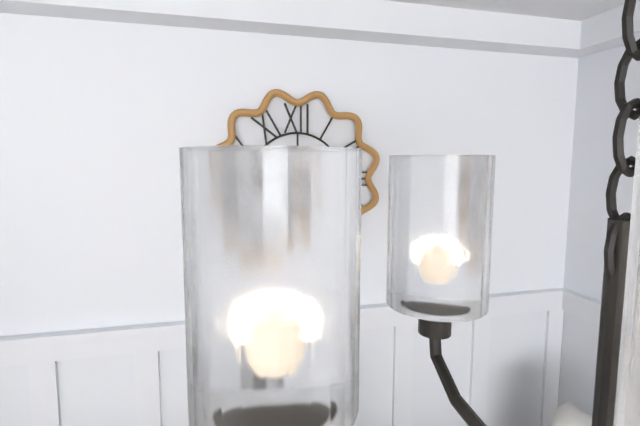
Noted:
**11:24**
